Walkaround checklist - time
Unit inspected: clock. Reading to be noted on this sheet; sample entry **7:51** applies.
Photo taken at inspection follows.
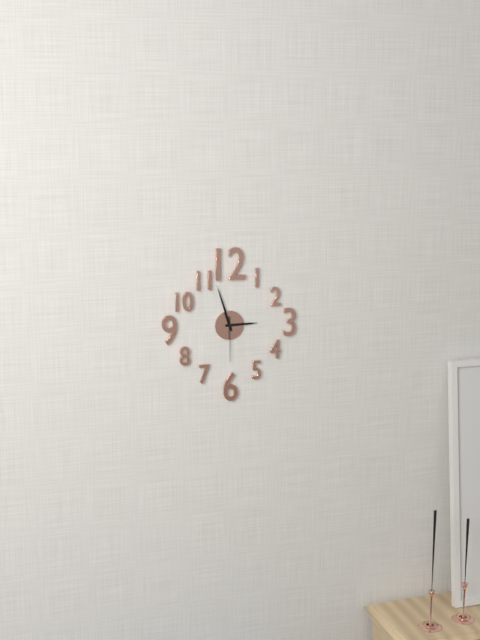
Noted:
**2:57**
